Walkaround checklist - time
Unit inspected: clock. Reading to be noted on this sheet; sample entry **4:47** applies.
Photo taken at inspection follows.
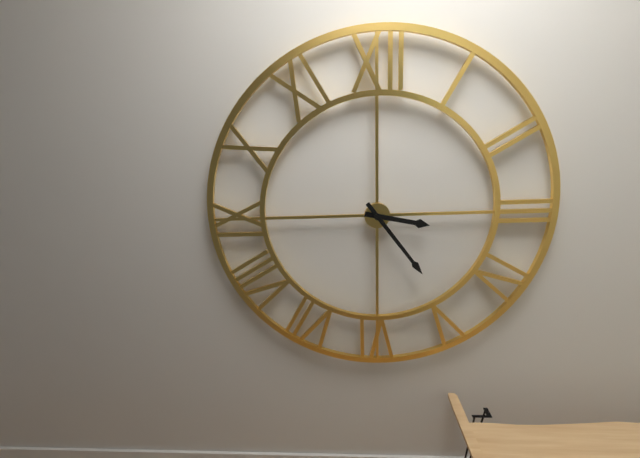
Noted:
**3:24**
